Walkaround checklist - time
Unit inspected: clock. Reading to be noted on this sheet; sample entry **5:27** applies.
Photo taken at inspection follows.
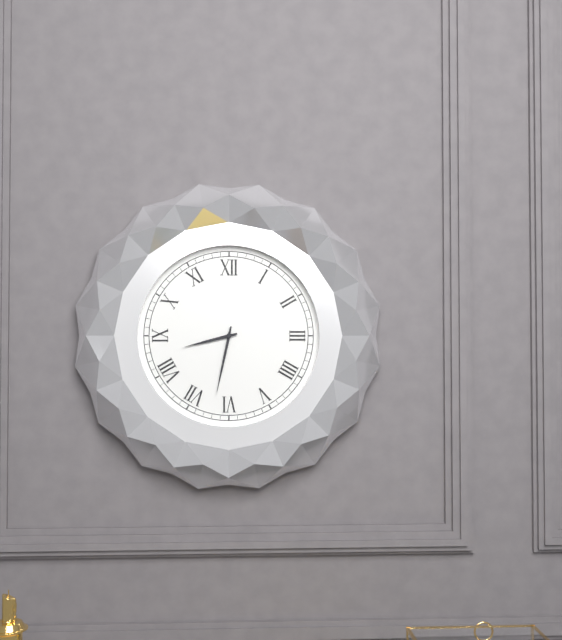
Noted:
**8:32**
